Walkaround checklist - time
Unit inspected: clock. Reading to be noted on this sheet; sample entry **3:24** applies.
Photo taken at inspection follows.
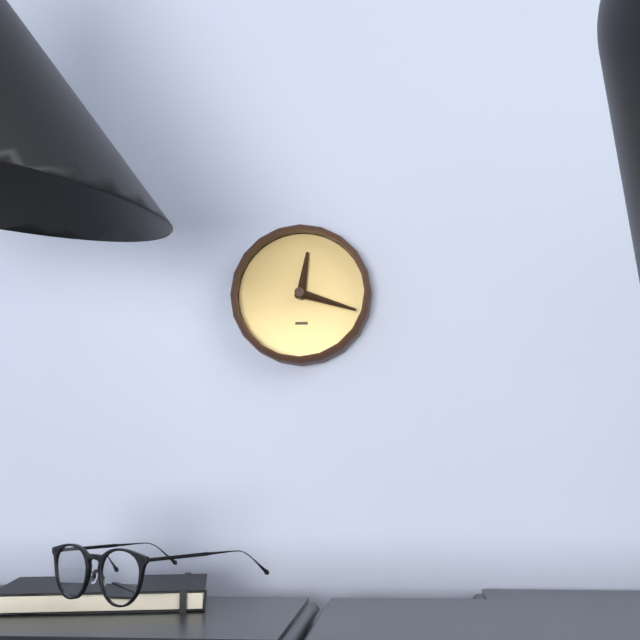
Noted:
**12:18**
